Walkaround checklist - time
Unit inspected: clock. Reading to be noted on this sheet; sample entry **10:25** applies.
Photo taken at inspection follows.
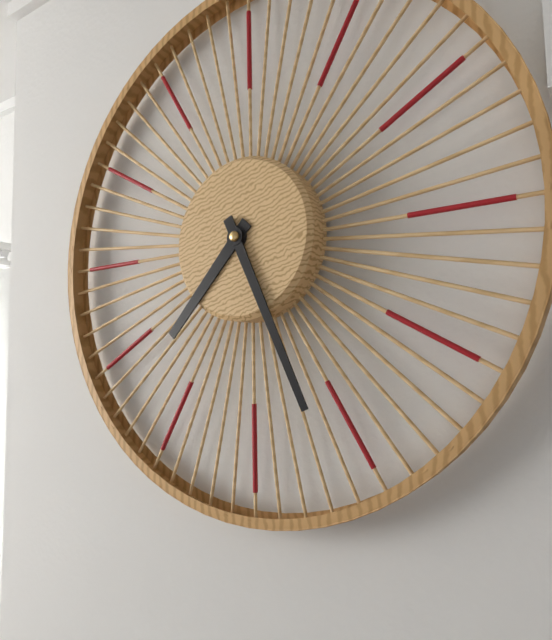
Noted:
**7:26**
